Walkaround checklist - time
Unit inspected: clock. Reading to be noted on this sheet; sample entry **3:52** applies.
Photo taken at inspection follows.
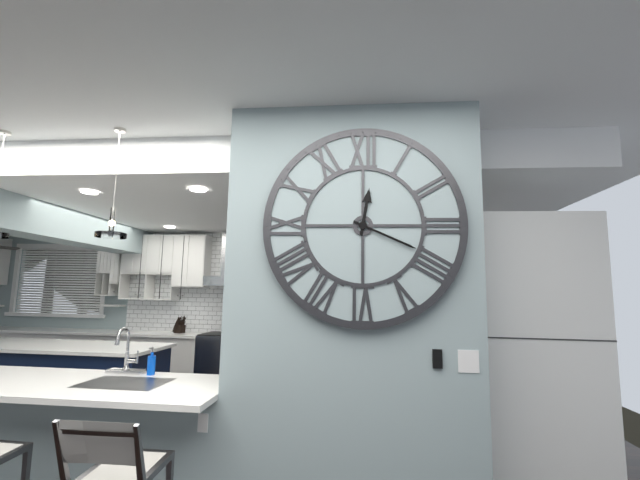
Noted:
**12:19**
